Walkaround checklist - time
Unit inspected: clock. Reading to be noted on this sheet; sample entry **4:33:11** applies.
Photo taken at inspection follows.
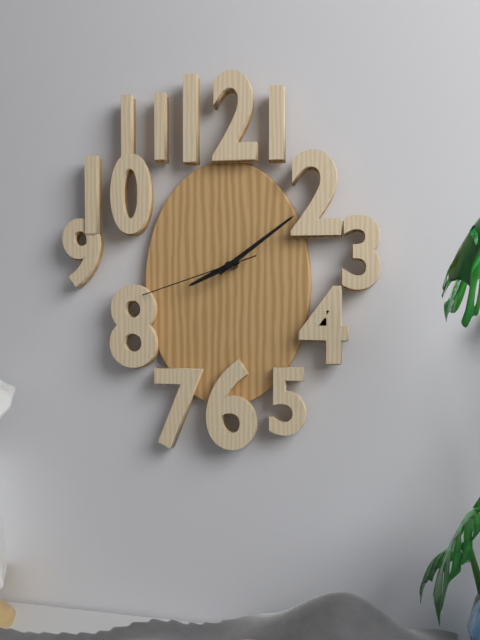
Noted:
**8:09:42**
